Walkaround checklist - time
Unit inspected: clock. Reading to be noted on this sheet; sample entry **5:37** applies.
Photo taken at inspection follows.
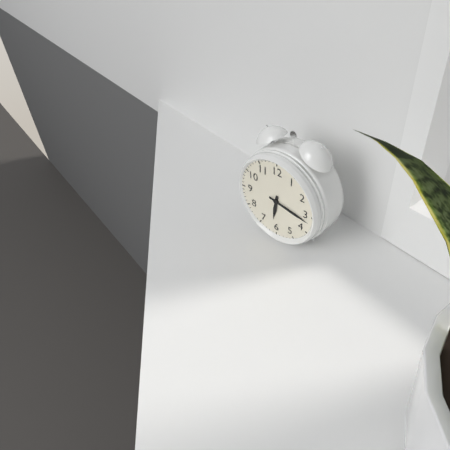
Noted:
**6:17**
